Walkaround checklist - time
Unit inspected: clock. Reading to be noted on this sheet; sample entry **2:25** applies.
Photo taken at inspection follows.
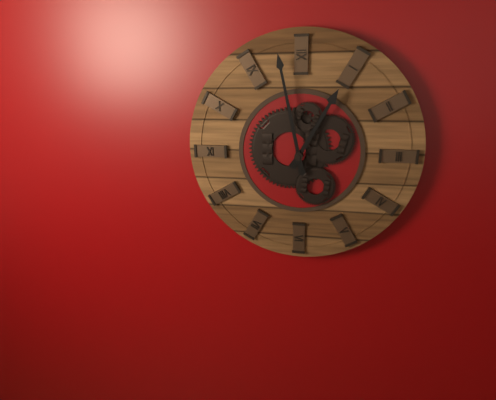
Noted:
**12:58**
